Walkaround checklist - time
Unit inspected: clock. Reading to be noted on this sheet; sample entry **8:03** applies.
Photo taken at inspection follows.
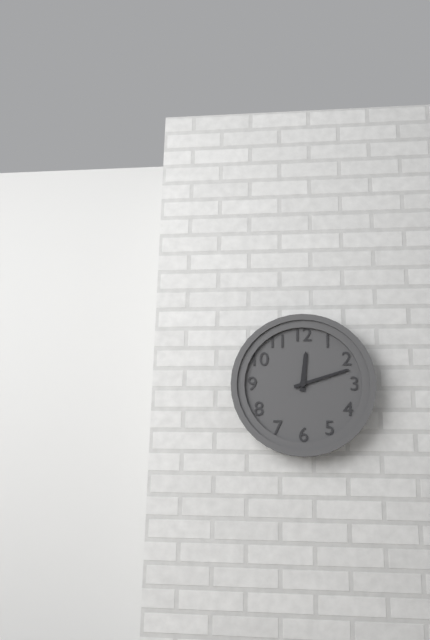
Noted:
**12:12**
